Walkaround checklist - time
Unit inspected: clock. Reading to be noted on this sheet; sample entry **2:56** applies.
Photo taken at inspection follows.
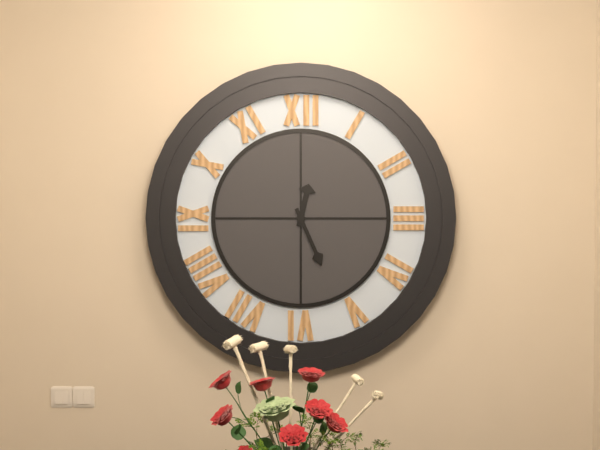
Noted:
**12:26**
